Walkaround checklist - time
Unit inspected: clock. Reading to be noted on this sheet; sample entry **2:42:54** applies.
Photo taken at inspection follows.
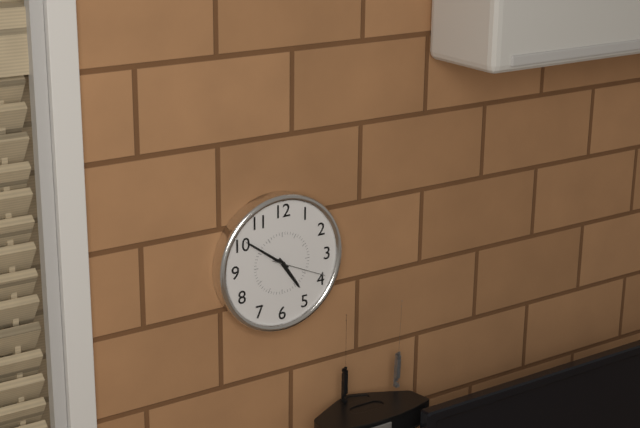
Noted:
**4:51:19**
